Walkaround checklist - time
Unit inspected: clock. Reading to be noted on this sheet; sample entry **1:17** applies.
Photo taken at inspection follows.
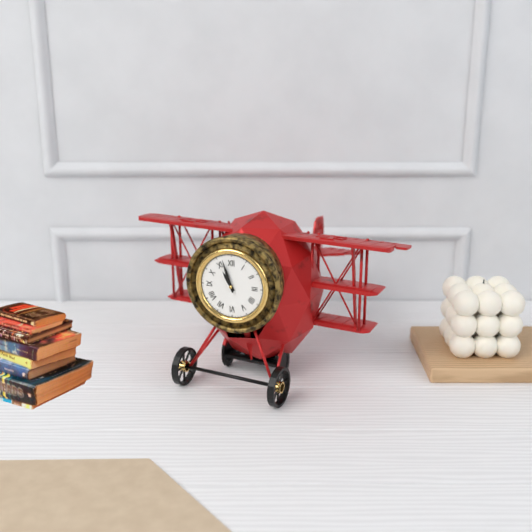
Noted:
**10:57**
